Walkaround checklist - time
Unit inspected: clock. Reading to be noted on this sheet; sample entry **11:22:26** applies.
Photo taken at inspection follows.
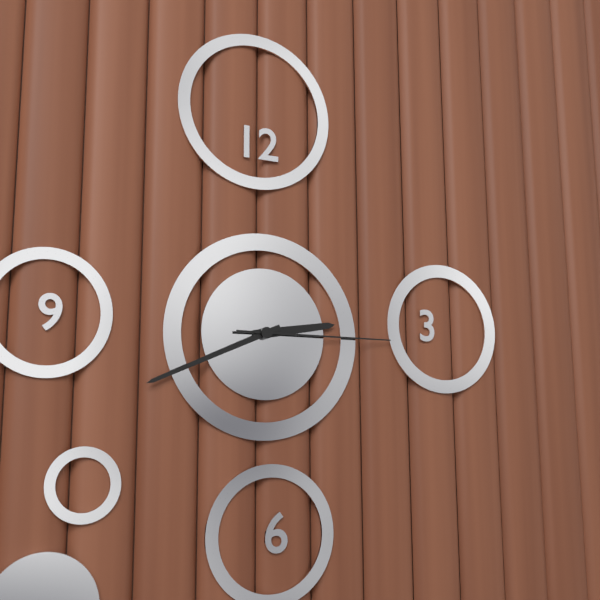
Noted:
**2:41:15**
